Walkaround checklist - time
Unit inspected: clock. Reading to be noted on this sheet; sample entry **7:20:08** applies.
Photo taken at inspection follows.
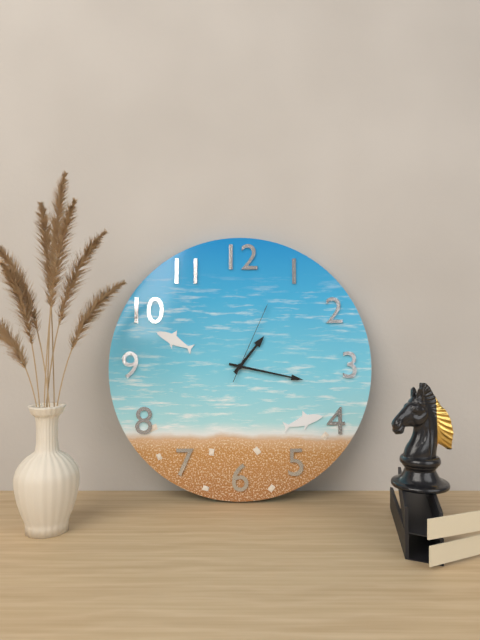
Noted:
**1:17:04**
